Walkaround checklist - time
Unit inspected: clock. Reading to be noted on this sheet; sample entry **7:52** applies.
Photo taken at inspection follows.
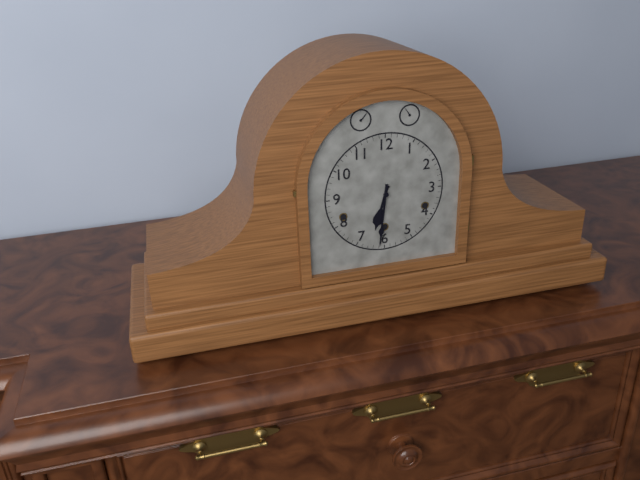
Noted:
**6:31**
